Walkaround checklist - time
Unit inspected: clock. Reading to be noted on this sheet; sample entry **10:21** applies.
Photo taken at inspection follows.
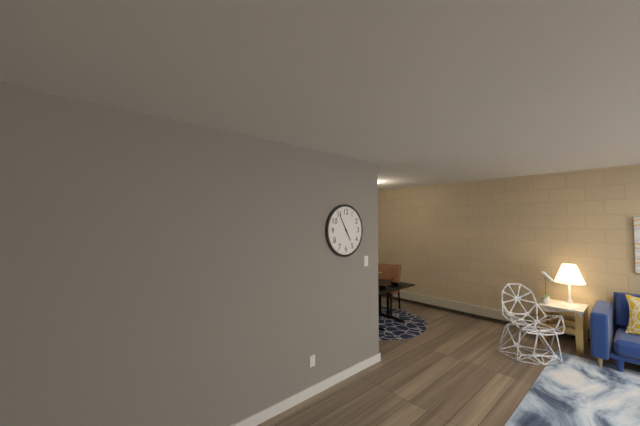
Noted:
**4:55**
